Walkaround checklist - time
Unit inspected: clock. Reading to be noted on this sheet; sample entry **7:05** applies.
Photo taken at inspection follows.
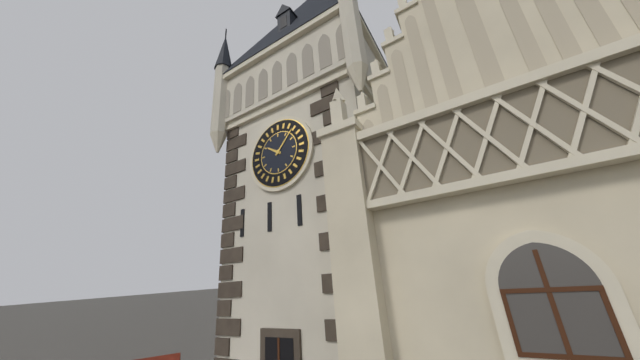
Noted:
**10:07**
